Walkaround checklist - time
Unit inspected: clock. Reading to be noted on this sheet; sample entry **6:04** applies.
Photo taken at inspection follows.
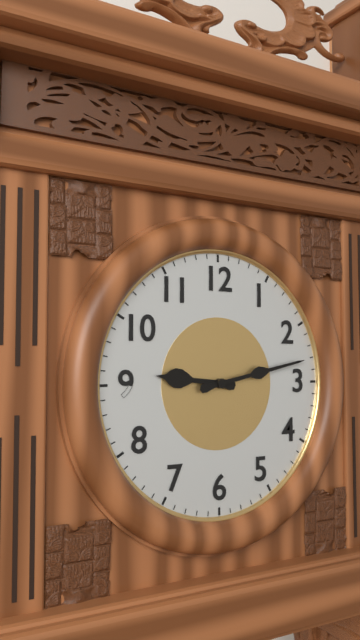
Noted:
**9:13**
